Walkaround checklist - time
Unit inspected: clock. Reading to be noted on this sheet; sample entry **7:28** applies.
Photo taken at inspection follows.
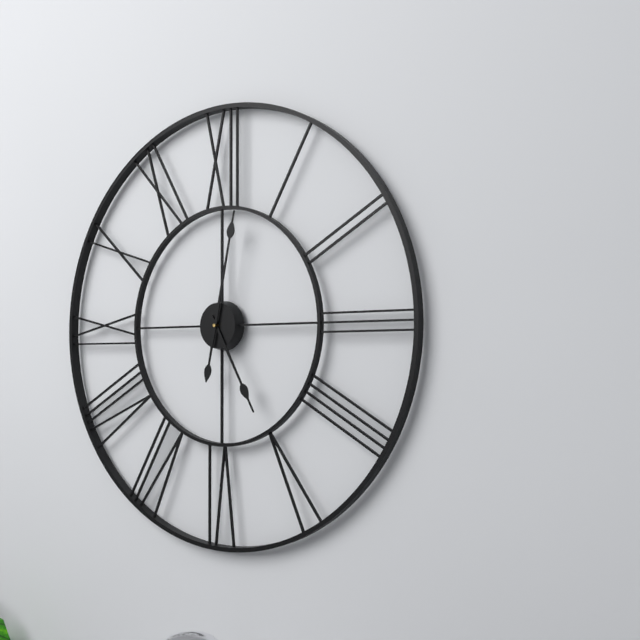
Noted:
**5:02**
